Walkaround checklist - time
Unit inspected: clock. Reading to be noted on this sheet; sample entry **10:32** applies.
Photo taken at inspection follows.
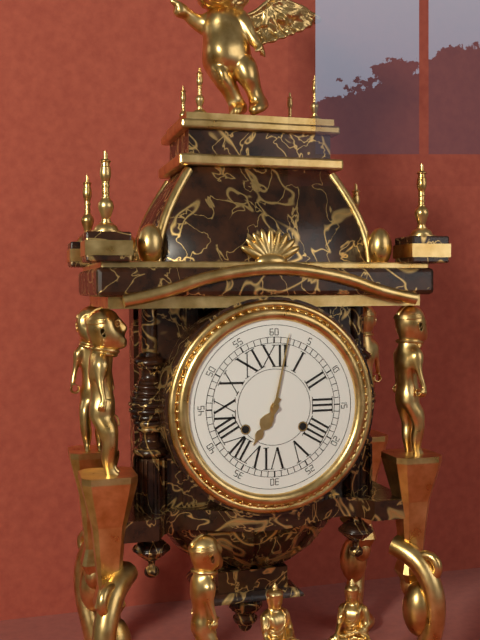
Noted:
**7:02**
